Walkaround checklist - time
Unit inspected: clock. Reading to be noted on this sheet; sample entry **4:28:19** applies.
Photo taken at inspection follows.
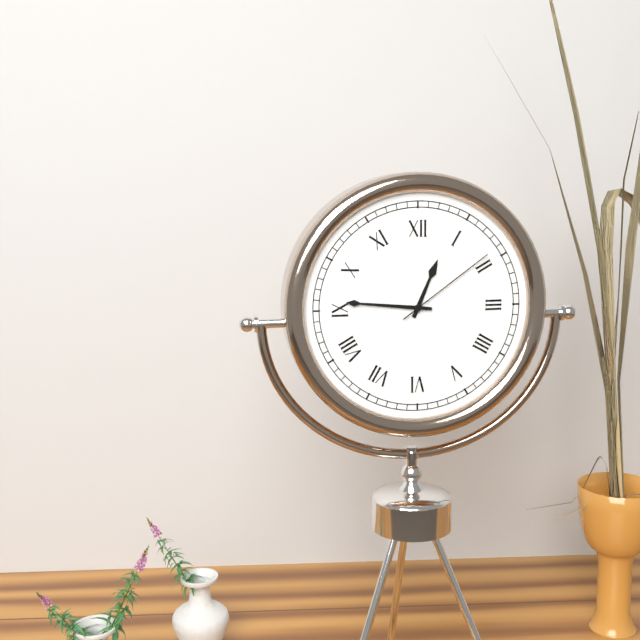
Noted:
**12:46:09**
